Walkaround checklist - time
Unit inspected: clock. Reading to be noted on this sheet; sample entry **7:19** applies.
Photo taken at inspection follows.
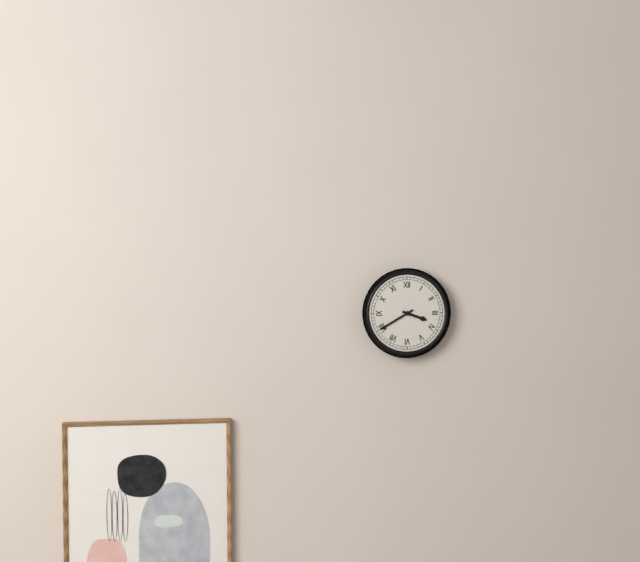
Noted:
**3:40**
